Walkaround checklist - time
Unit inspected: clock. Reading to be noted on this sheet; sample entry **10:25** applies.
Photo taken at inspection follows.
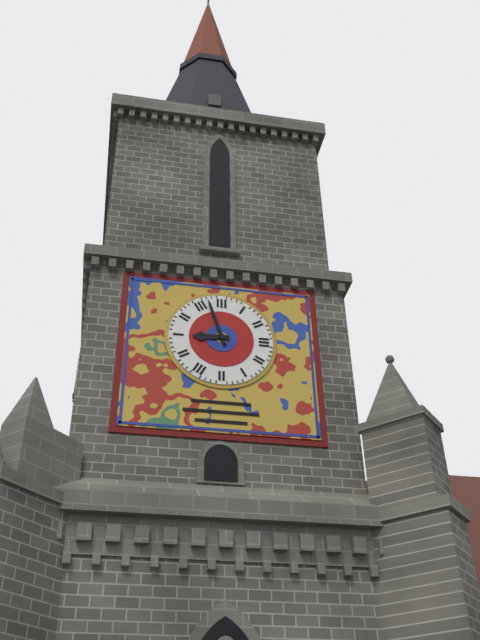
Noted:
**8:57**
